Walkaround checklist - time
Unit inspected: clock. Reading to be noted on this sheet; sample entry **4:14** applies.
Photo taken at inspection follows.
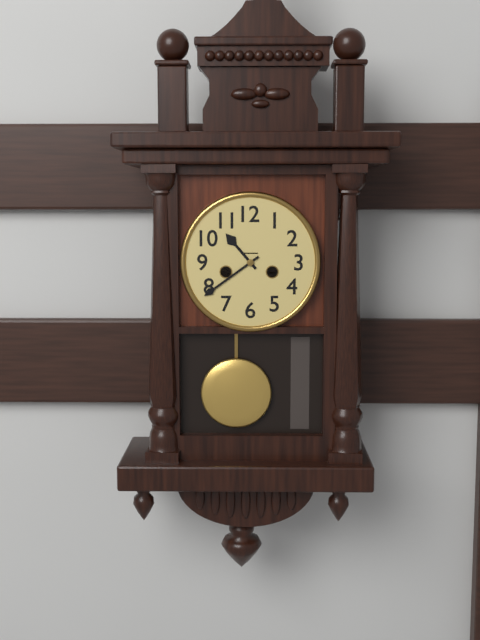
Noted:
**10:39**
